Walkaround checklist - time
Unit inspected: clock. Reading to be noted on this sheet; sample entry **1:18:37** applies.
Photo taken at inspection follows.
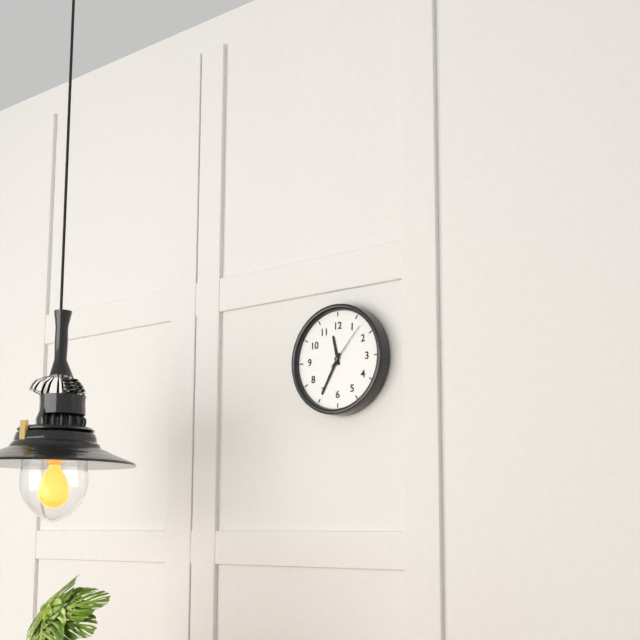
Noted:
**11:35:07**
